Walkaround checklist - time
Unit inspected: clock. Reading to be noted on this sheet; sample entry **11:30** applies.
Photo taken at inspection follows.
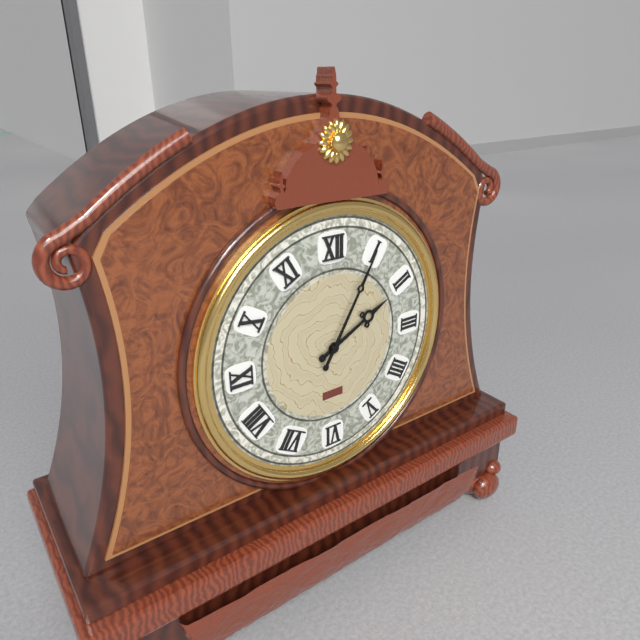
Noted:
**2:05**
